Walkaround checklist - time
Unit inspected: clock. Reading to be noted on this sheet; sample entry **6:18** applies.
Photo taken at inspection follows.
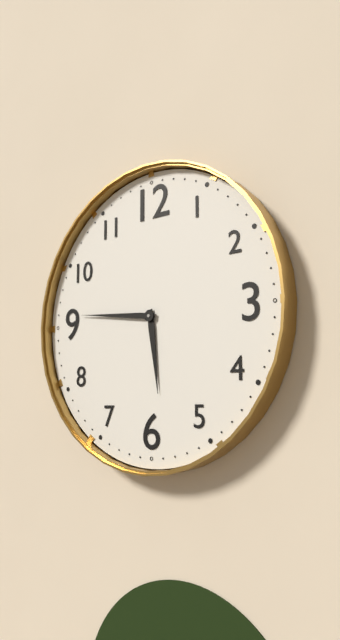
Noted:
**5:46**
